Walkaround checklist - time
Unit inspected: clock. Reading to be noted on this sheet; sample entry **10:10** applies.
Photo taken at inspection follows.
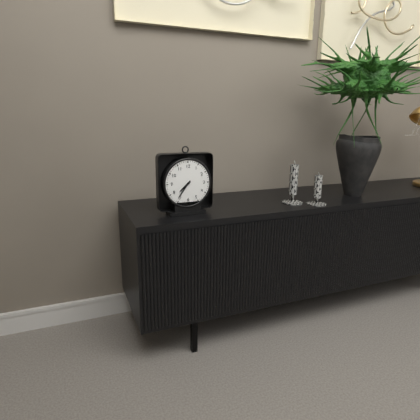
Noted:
**7:36**
